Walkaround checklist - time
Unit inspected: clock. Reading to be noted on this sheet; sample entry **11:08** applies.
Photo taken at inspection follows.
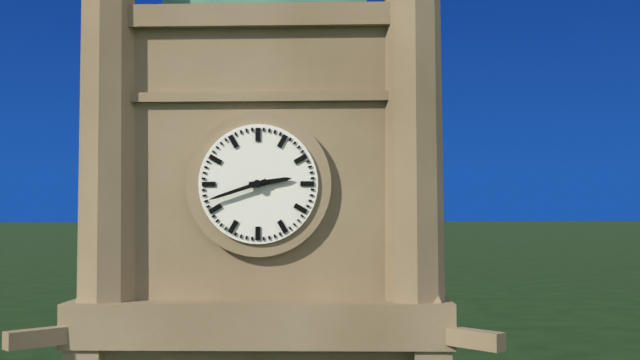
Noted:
**2:42**
